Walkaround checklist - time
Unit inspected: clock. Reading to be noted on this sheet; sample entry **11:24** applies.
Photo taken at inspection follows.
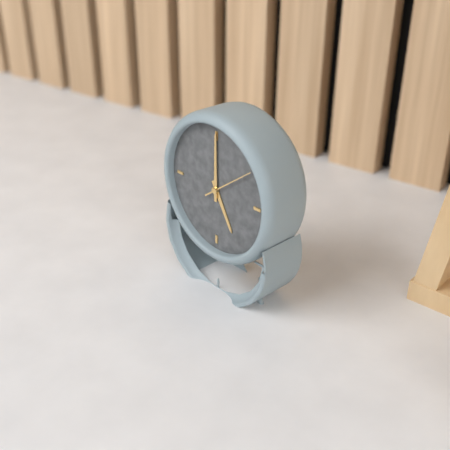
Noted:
**5:00**
